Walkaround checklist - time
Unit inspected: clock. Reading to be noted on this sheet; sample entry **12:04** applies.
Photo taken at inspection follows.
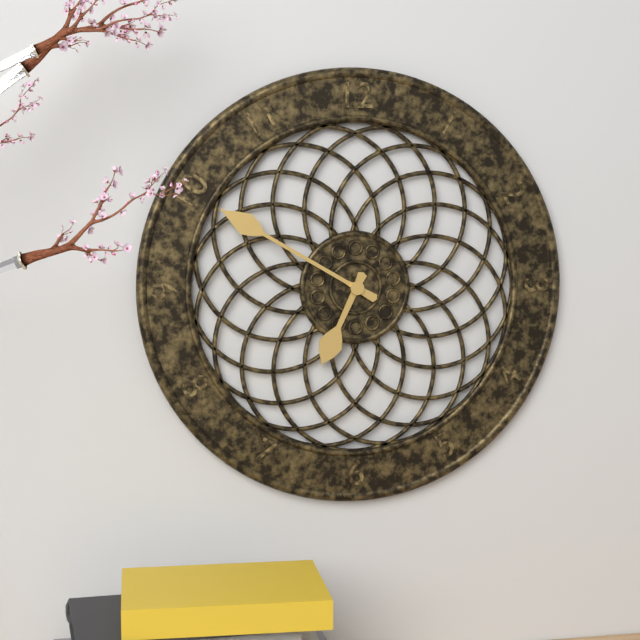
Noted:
**6:50**
